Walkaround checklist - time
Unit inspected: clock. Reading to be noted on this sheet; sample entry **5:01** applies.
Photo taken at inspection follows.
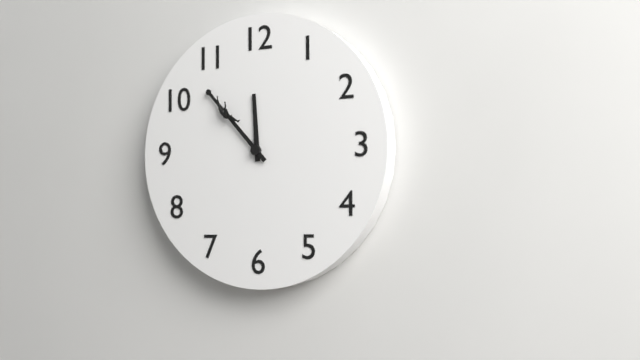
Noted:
**11:53**
